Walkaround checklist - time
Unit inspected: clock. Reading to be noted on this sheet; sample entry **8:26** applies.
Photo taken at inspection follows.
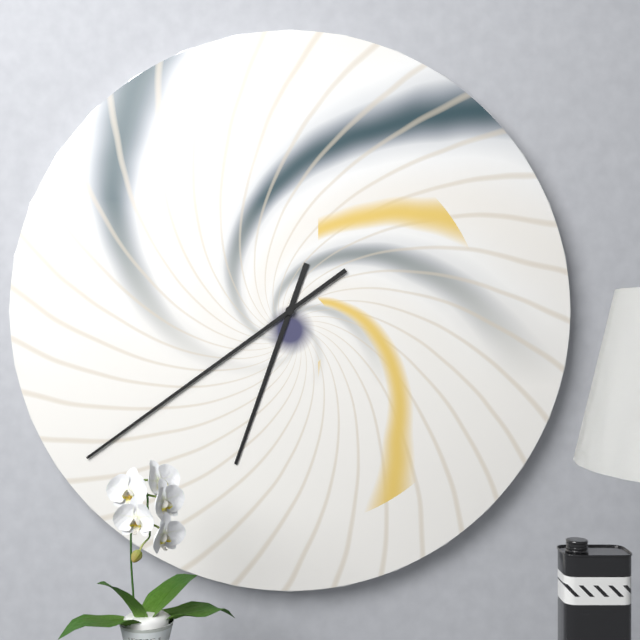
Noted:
**6:39**
